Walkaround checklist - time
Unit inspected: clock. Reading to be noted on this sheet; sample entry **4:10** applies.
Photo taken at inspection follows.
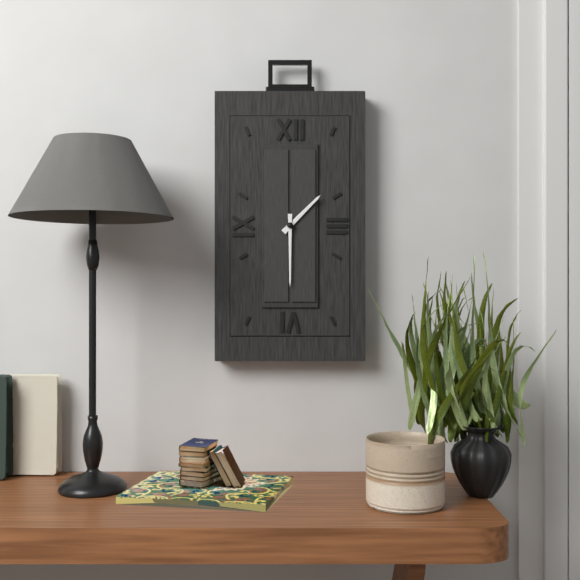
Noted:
**1:30**
